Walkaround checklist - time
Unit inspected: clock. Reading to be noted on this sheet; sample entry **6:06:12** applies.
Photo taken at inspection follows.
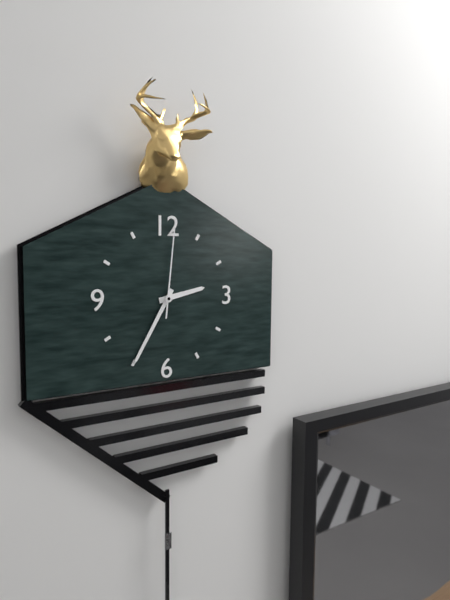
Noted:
**2:35:01**
